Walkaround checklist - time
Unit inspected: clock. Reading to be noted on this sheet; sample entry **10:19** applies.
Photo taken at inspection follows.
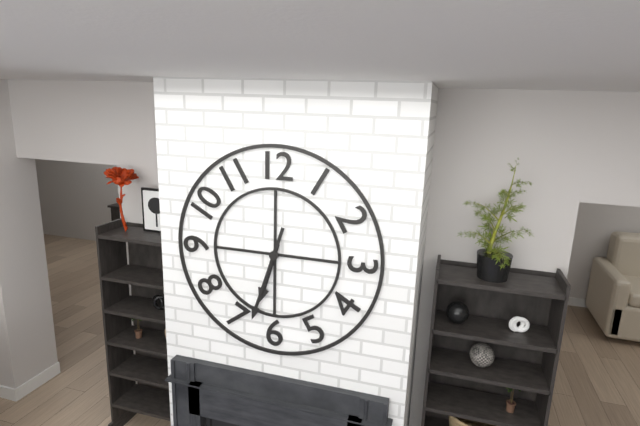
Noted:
**6:33**
